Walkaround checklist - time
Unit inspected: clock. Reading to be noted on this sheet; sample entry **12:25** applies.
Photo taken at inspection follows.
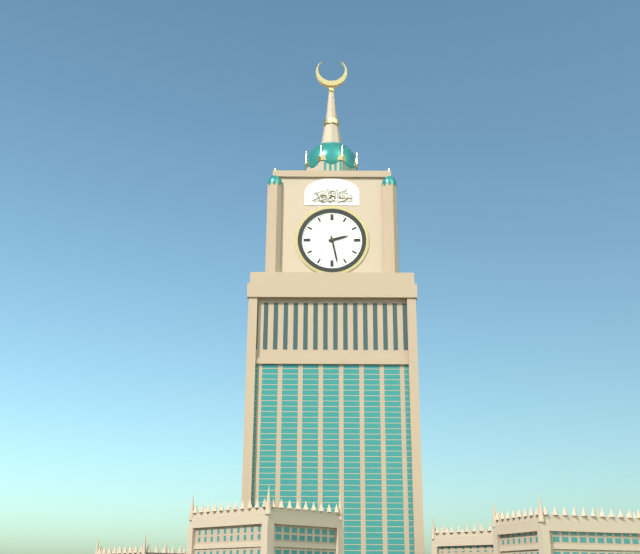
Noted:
**2:28**
